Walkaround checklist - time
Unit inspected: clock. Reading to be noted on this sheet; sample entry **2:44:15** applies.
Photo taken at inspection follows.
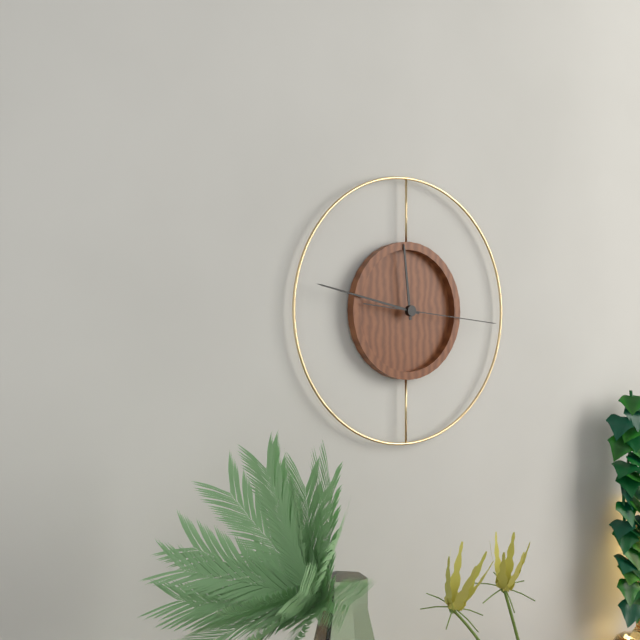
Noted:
**11:47:16**
